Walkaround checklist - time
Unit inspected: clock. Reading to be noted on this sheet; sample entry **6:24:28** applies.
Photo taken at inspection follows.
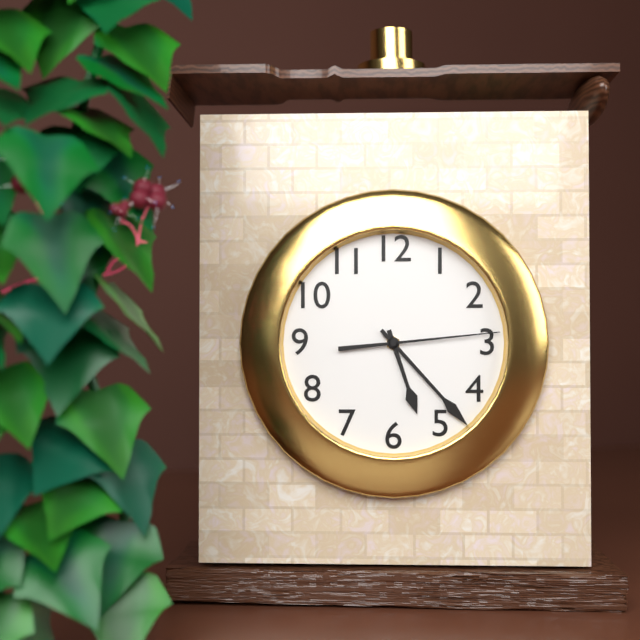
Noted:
**5:23:14**
